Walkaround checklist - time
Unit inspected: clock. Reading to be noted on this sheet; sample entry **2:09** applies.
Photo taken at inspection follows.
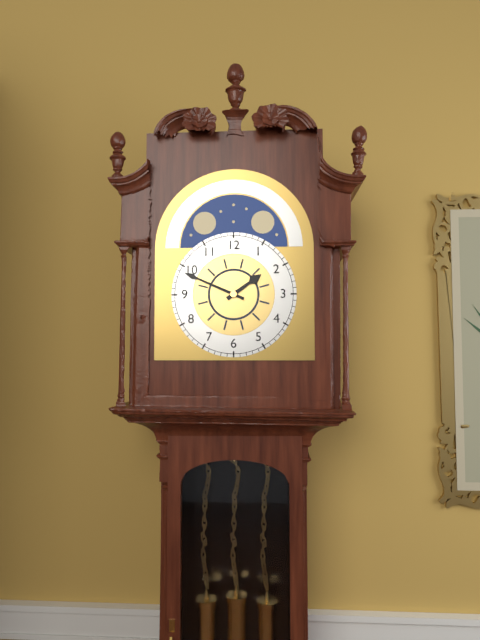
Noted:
**1:49**
